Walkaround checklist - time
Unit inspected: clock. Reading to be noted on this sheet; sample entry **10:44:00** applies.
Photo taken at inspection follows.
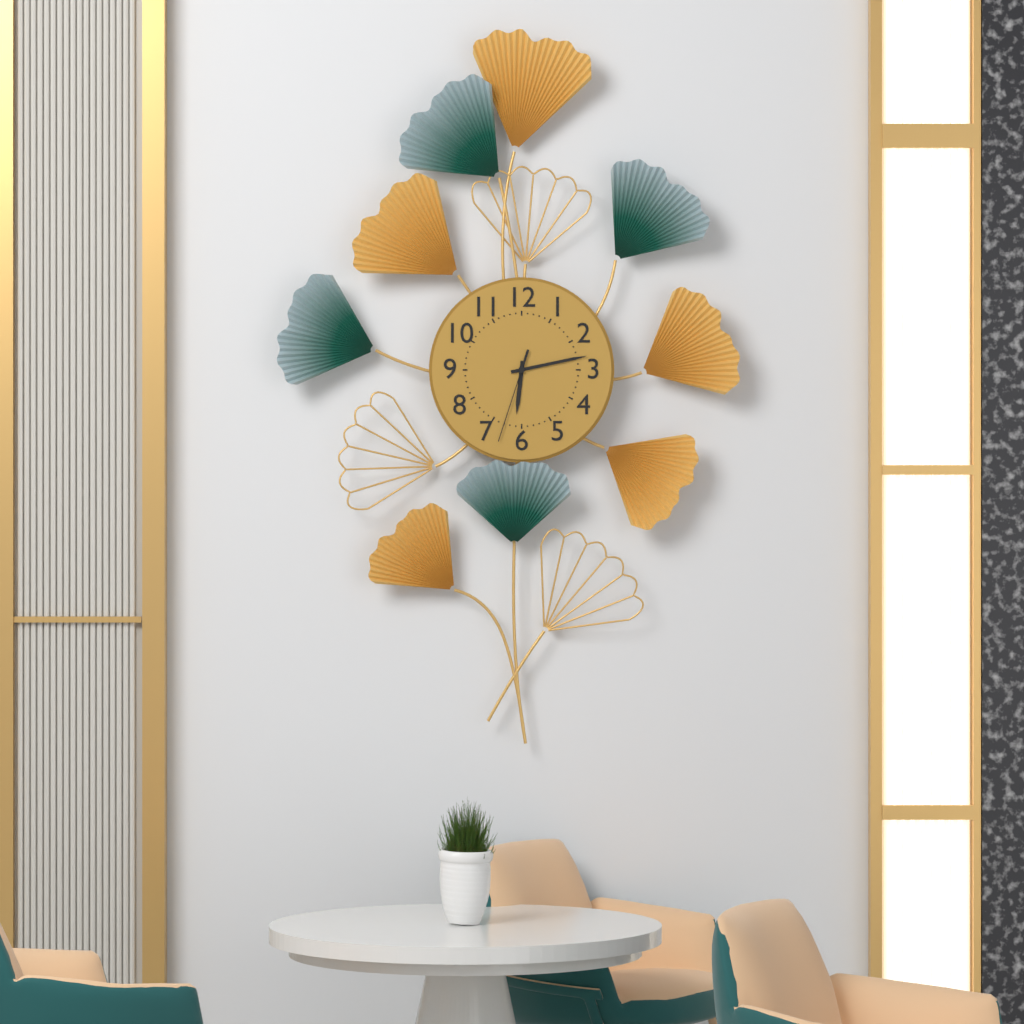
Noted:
**6:13:33**
